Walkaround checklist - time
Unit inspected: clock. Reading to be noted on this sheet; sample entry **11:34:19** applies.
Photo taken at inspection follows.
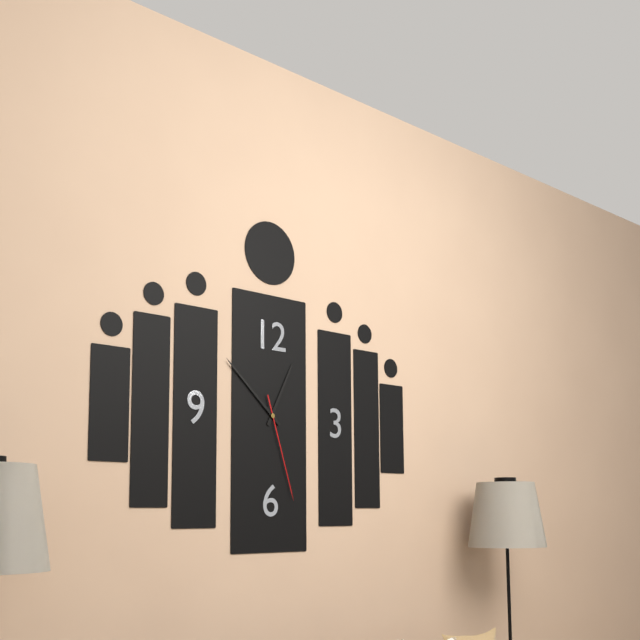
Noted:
**12:52:27**
